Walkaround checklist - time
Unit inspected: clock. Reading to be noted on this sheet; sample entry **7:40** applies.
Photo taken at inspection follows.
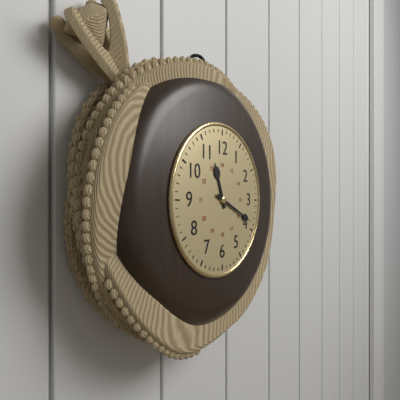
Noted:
**11:19**
